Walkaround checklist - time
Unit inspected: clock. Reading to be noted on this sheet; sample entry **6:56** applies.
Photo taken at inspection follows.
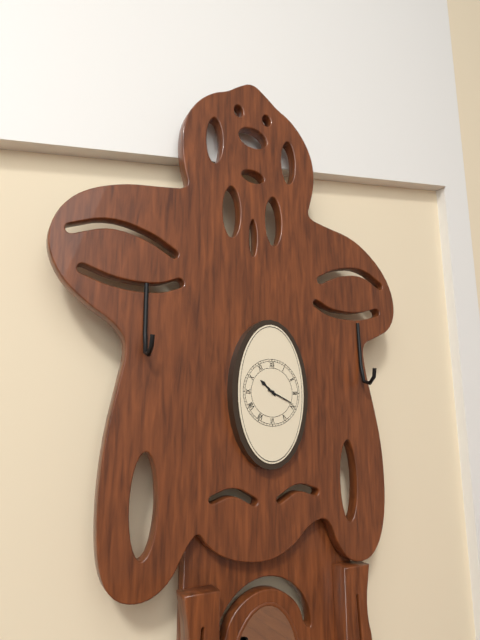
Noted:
**10:19**
